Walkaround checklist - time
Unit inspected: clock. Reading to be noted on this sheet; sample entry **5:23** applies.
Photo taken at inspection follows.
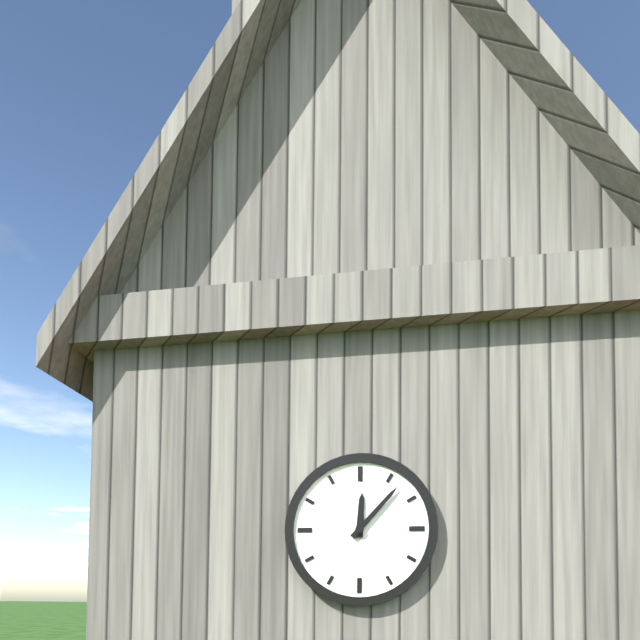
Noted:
**12:07**
